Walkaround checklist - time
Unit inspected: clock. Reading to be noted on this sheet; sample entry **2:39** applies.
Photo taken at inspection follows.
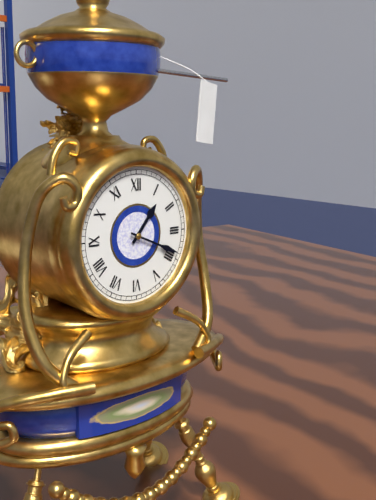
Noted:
**1:19**
